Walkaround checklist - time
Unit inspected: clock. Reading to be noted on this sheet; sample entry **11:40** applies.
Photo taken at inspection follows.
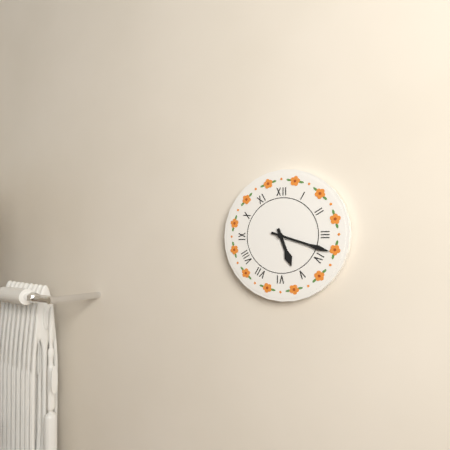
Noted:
**5:18**
